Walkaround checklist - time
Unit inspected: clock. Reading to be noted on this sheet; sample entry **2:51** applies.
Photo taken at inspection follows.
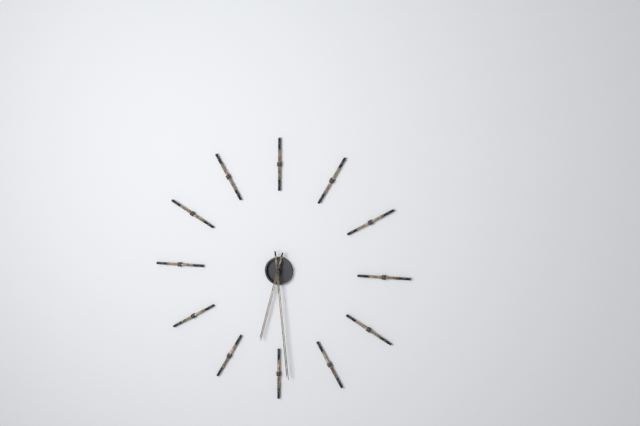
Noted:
**6:29**
